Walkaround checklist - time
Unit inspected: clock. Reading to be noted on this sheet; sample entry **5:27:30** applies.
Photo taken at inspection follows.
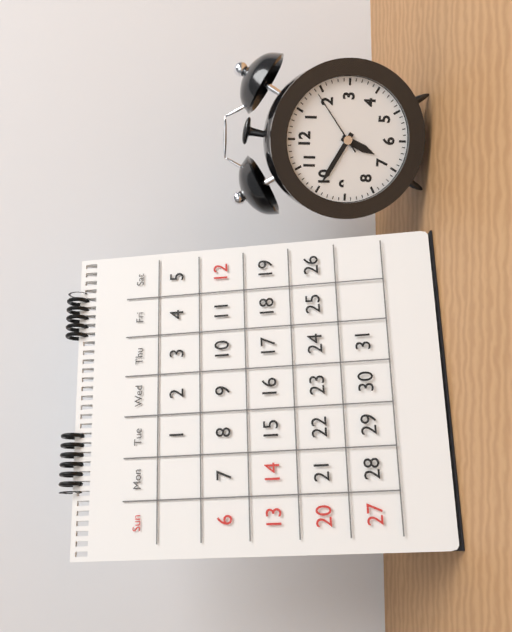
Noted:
**6:50:09**
